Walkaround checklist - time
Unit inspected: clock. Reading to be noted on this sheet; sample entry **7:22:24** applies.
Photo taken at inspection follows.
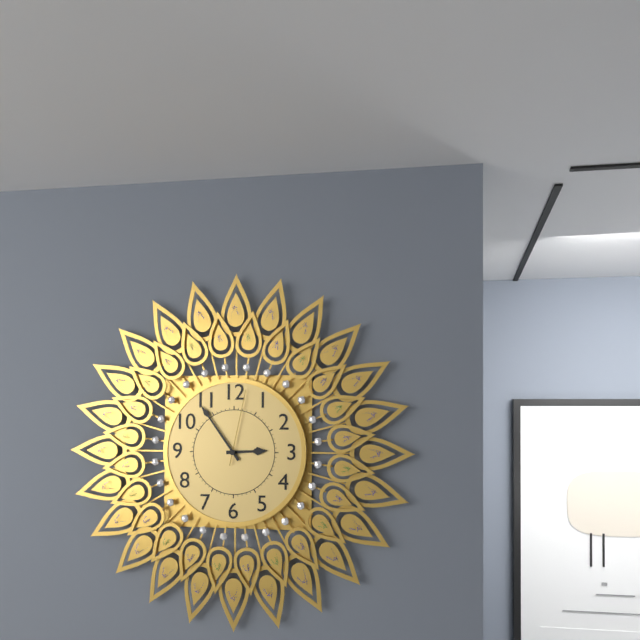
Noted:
**2:54:02**
